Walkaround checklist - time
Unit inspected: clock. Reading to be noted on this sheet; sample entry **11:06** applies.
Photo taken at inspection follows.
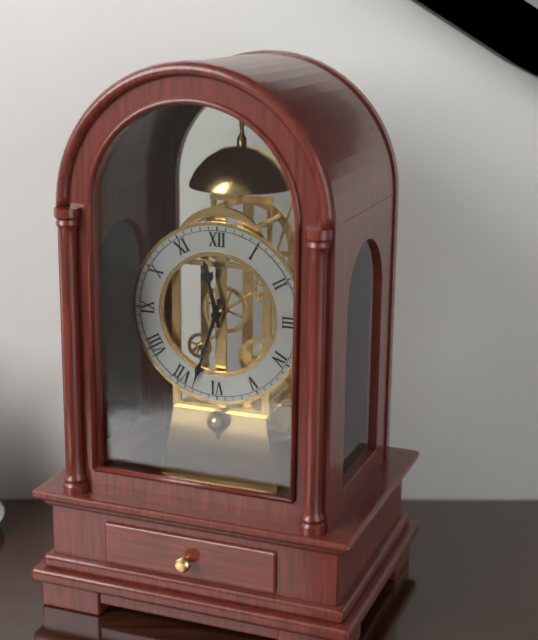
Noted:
**11:33**
